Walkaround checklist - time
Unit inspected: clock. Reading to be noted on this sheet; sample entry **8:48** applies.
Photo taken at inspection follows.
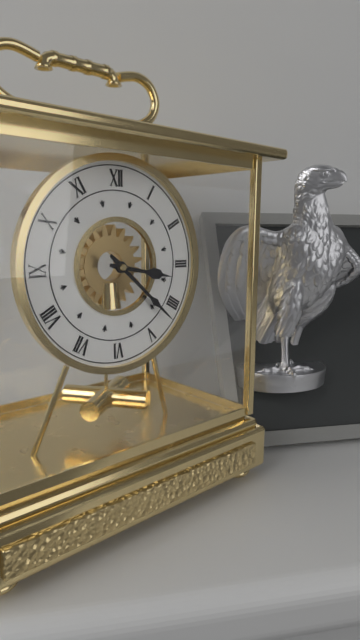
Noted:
**3:22**
